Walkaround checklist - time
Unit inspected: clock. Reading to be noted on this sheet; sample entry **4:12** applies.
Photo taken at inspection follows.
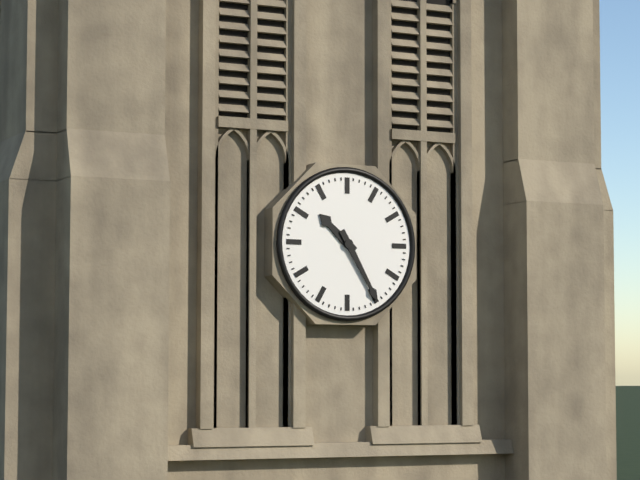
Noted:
**10:25**
